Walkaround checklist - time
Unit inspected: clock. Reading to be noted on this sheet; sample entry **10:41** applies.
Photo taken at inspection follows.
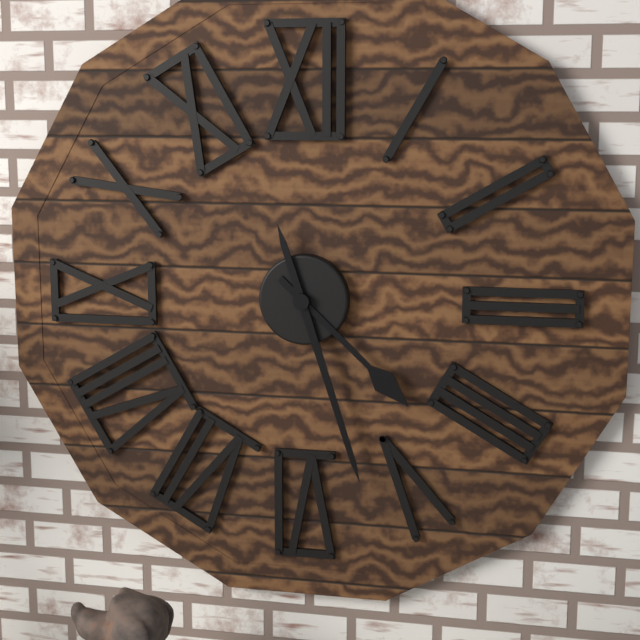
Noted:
**4:27**
